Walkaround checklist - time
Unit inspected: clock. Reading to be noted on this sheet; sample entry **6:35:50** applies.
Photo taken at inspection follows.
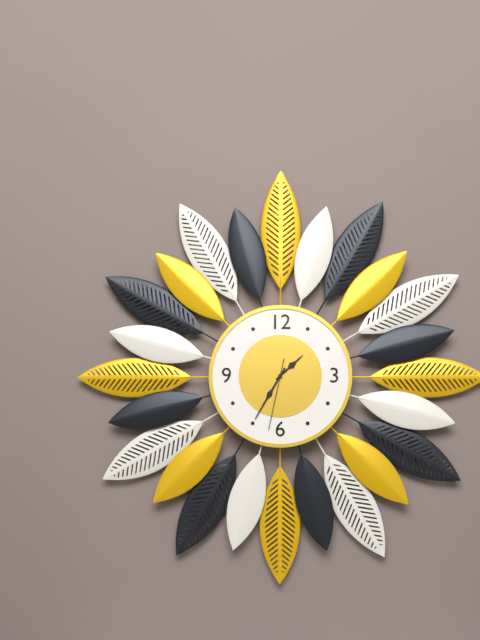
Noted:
**1:35:32**
